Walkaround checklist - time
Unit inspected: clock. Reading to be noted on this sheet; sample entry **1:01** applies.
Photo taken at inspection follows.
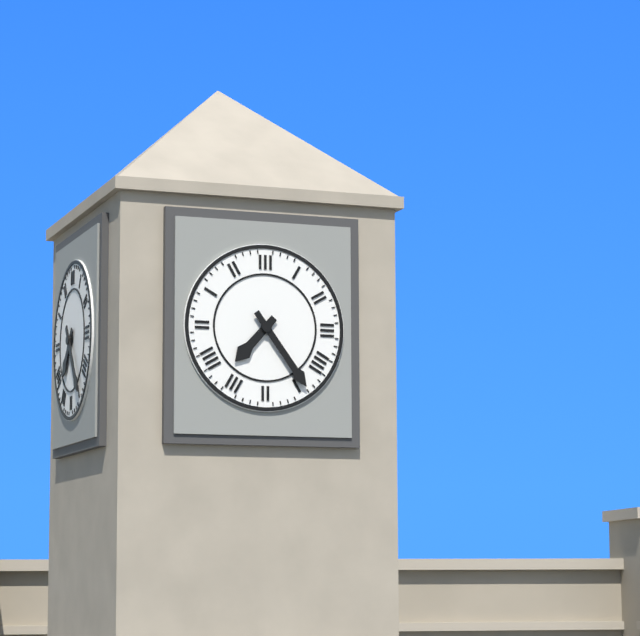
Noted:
**7:24**
